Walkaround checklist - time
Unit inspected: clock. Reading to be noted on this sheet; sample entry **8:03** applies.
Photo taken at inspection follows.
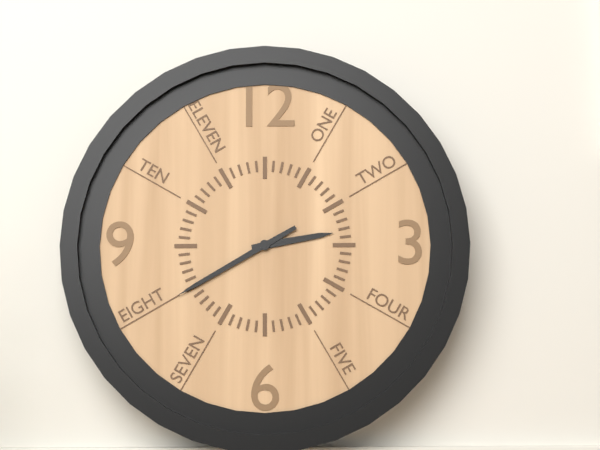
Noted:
**2:40**
